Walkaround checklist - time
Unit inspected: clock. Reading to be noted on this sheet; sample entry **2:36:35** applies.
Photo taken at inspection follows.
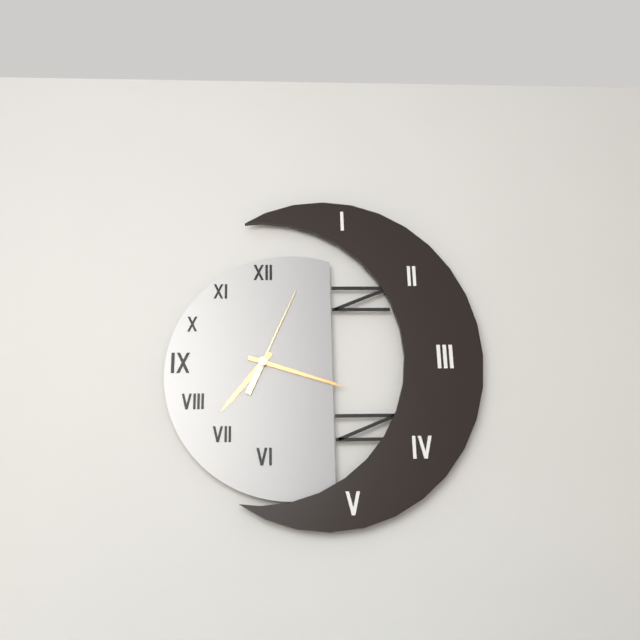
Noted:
**7:18:04**
